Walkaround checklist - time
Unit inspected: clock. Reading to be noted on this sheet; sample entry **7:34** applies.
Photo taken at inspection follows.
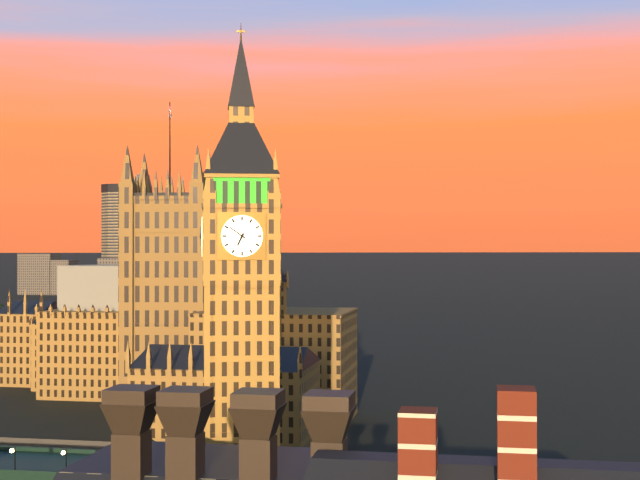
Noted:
**6:51**
